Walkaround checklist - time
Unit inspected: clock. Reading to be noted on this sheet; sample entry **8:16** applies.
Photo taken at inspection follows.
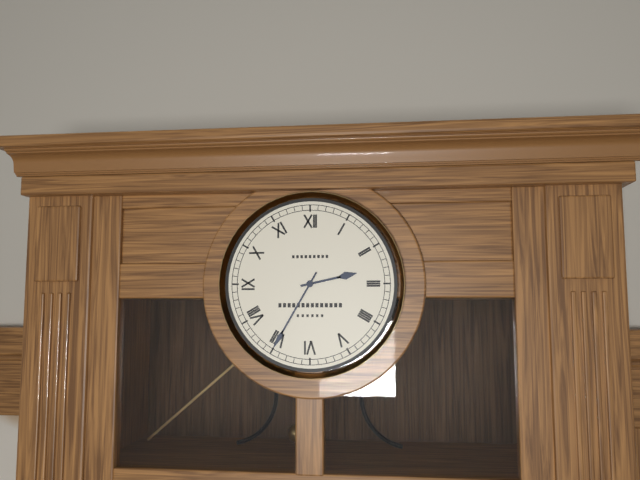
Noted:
**2:35**
